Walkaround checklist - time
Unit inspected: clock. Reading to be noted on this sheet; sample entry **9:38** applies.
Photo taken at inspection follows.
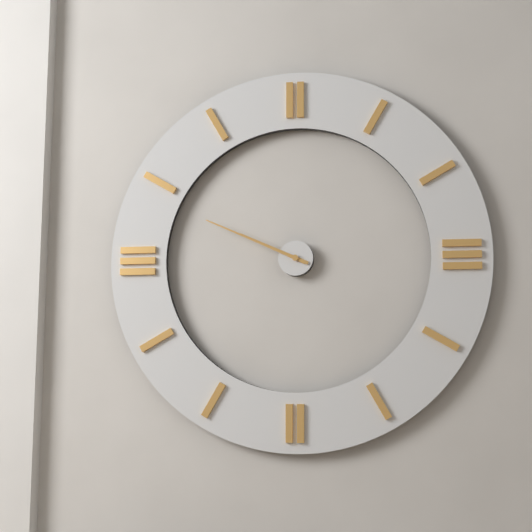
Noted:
**9:49**
